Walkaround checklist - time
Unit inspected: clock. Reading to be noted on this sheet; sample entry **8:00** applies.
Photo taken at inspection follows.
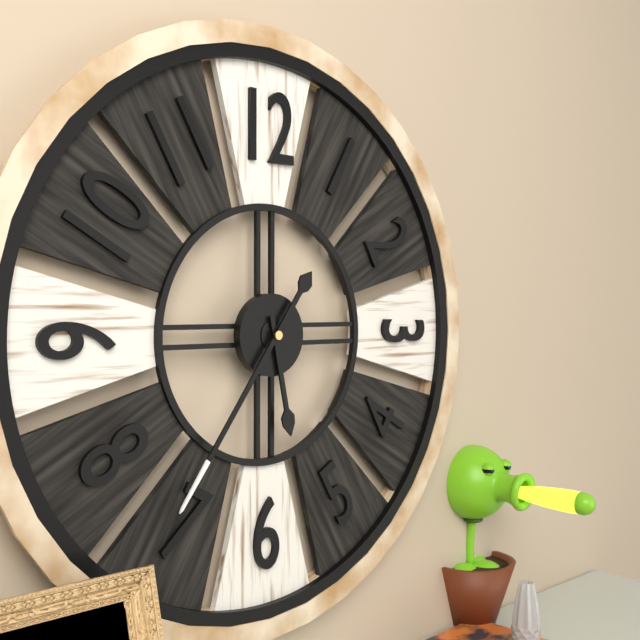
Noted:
**5:36**
